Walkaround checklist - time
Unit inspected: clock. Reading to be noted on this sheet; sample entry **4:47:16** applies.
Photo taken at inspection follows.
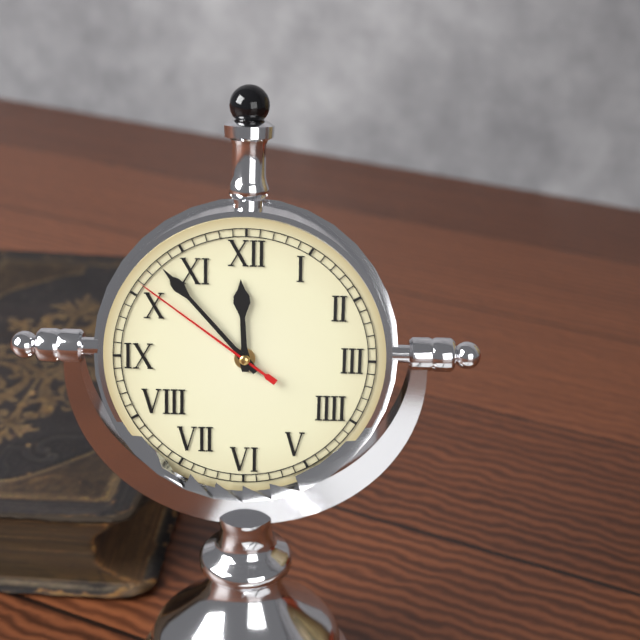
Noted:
**11:53:51**
